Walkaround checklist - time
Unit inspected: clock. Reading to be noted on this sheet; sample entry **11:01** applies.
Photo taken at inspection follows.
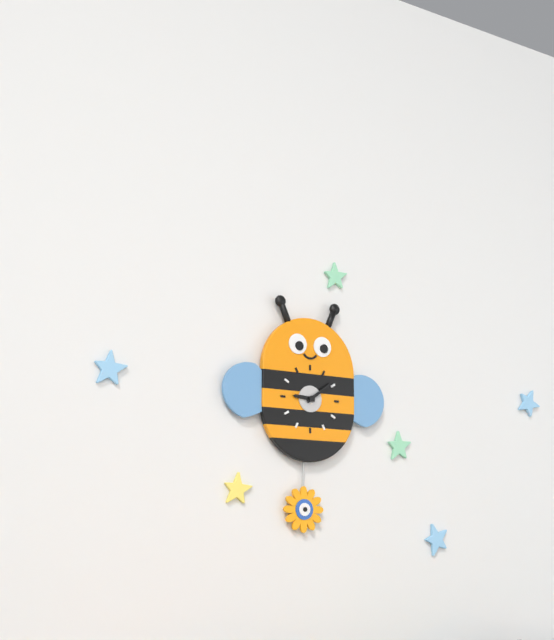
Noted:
**9:09**
